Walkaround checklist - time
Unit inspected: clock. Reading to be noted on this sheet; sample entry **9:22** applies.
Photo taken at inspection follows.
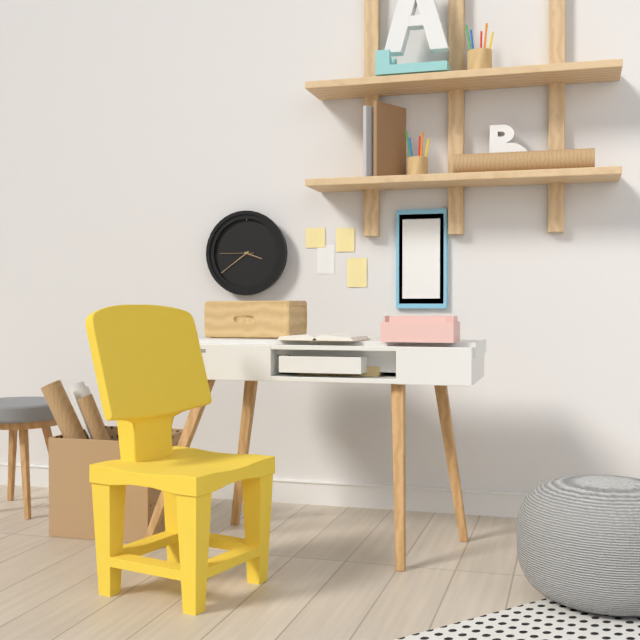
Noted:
**3:39**
